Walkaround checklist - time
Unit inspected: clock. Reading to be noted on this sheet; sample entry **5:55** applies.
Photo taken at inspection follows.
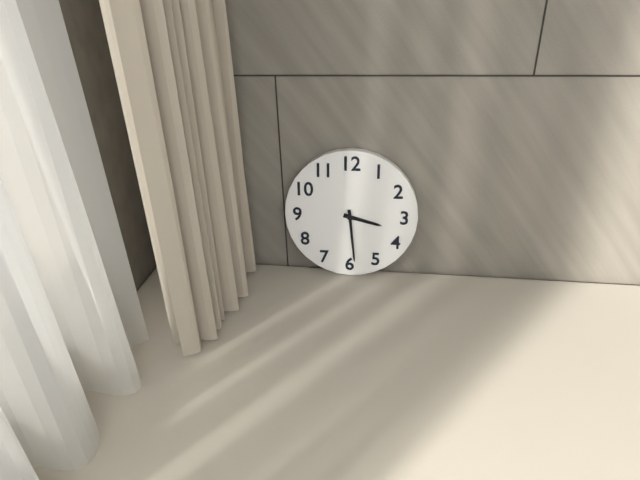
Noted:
**3:29**
